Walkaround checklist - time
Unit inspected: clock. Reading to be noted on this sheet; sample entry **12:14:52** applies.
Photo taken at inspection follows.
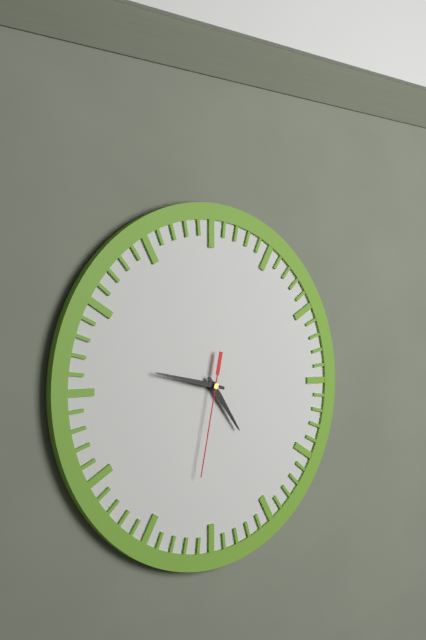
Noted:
**4:47:32**
